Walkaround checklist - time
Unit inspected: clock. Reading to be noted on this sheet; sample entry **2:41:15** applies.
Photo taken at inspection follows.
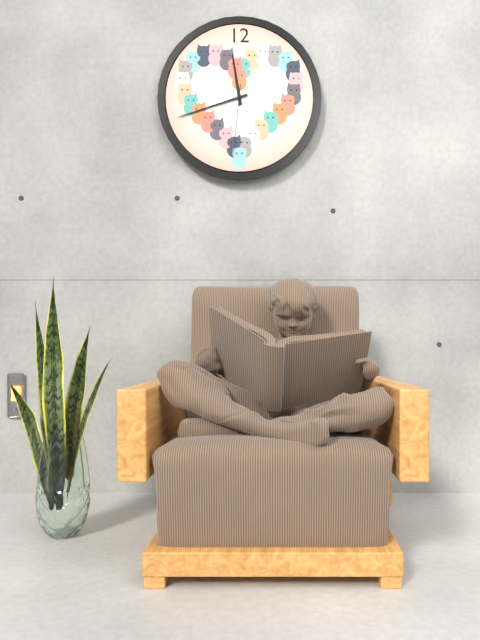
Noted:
**11:42:31**
